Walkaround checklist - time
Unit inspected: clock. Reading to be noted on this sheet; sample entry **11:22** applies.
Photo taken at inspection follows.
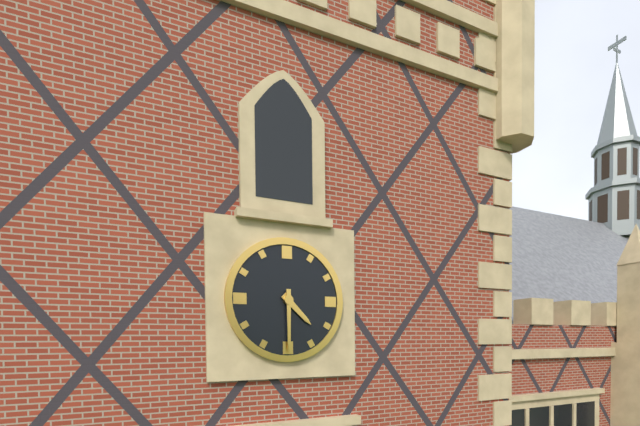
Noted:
**4:30**
